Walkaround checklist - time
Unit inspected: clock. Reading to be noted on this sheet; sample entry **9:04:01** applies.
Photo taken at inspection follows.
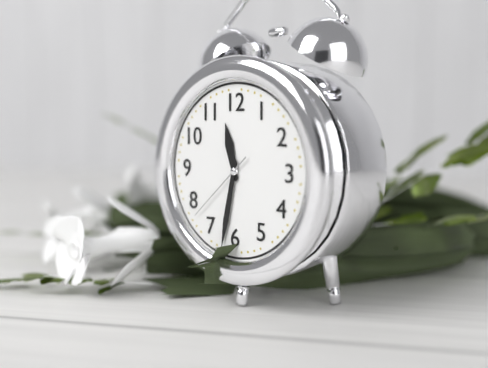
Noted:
**11:32:38**
